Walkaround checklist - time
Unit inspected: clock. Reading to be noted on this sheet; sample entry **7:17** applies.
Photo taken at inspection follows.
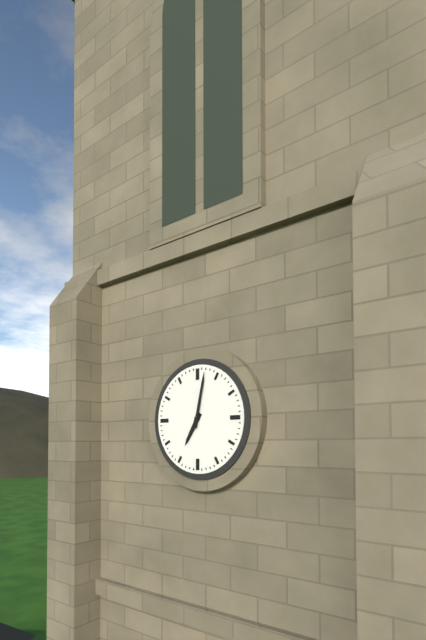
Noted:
**7:02**
